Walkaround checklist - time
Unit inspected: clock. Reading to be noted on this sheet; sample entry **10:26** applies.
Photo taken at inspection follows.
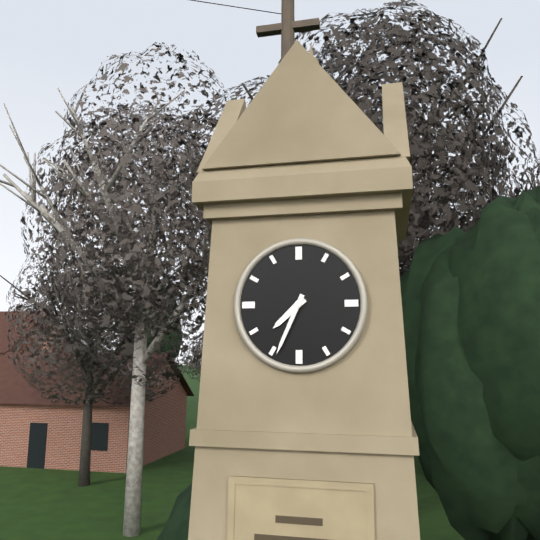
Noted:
**7:34**
